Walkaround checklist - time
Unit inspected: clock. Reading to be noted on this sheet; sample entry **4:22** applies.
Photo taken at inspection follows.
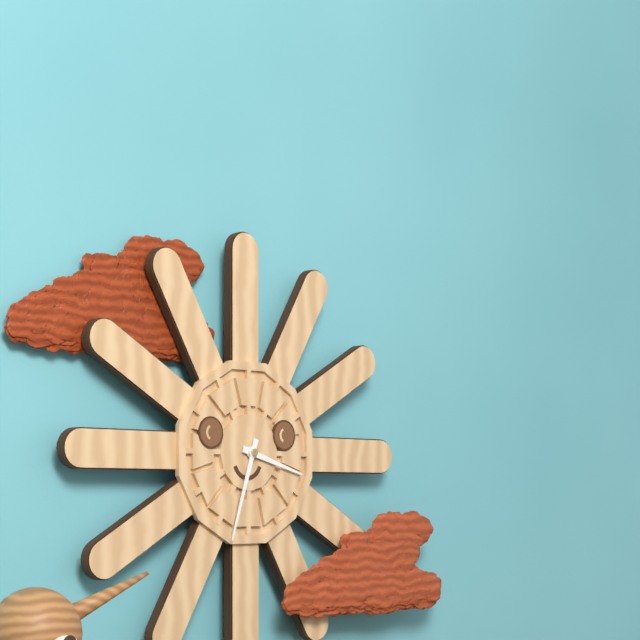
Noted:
**3:33**
